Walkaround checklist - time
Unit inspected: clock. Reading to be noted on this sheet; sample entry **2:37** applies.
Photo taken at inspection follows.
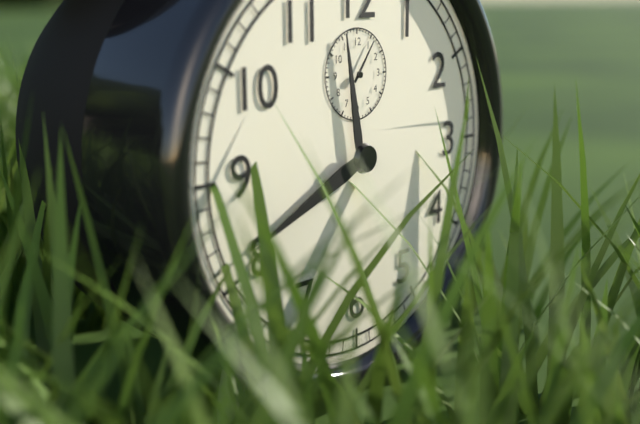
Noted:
**11:41**
